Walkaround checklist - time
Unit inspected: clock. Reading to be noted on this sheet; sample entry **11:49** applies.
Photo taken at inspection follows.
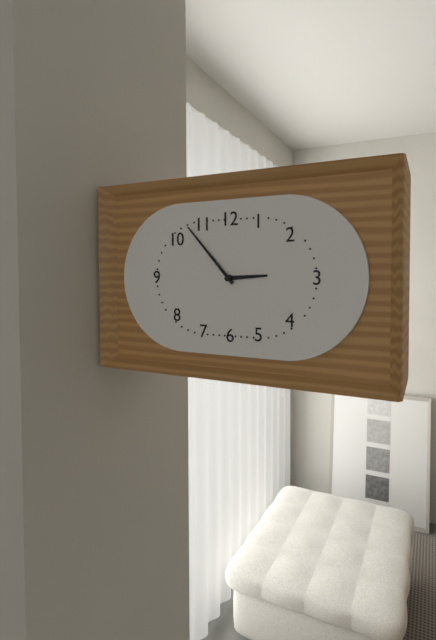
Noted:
**2:53**
